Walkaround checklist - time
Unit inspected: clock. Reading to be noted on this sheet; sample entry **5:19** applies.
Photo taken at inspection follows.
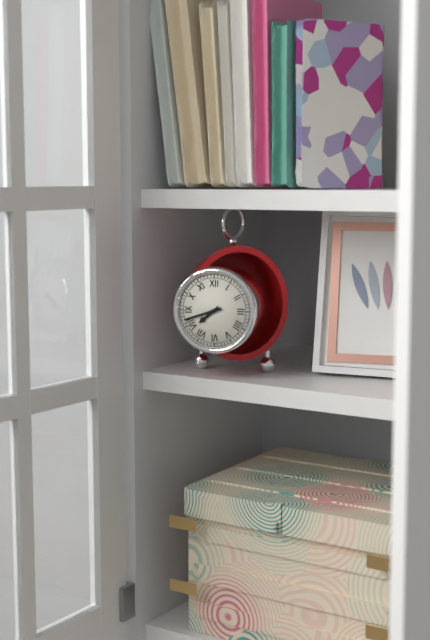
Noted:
**7:42**
